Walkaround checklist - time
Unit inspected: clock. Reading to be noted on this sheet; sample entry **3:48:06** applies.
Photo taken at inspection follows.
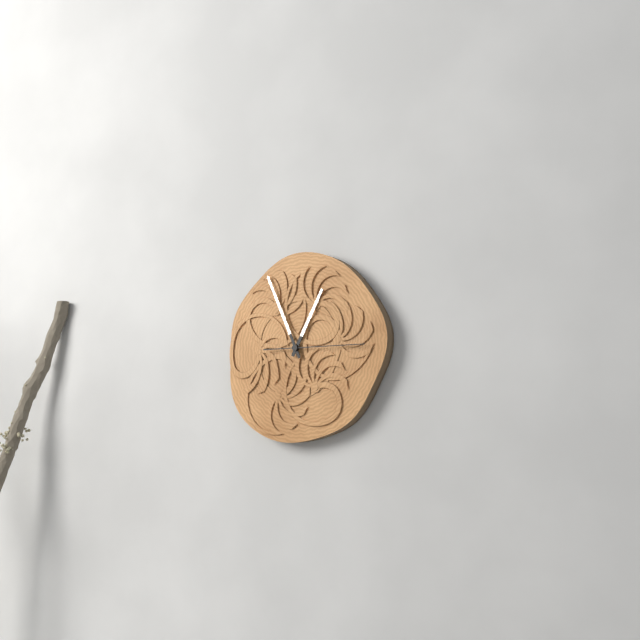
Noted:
**12:56:15**
